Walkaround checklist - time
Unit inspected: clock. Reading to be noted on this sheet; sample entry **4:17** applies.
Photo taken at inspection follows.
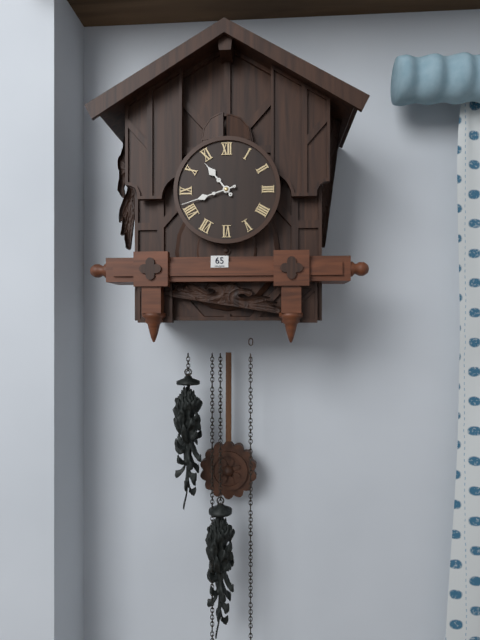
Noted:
**10:42**
